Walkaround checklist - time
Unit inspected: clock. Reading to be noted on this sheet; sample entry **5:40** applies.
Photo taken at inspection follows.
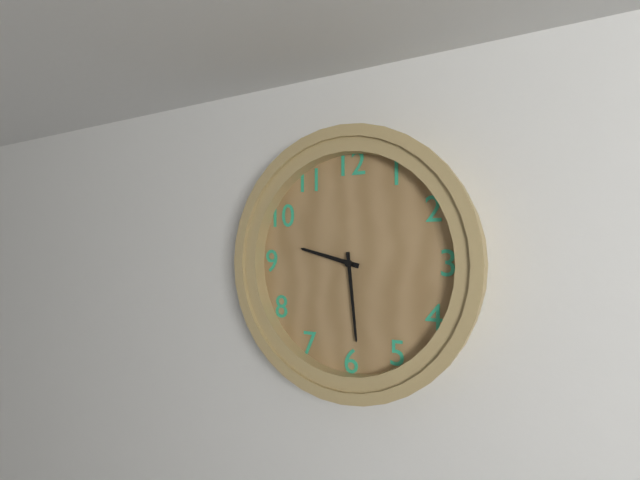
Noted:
**9:29**
